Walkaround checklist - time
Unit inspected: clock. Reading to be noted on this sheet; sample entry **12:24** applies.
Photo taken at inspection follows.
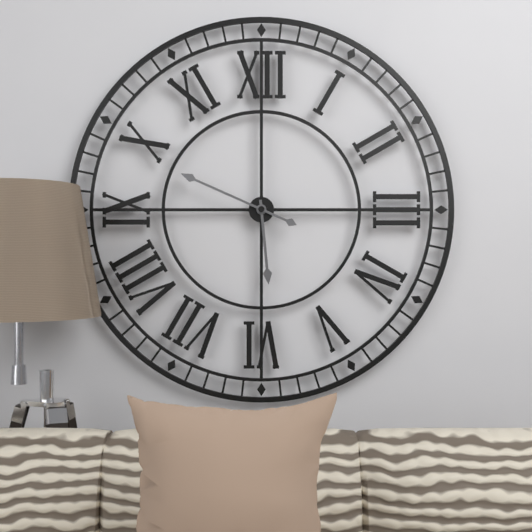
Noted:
**5:49**
